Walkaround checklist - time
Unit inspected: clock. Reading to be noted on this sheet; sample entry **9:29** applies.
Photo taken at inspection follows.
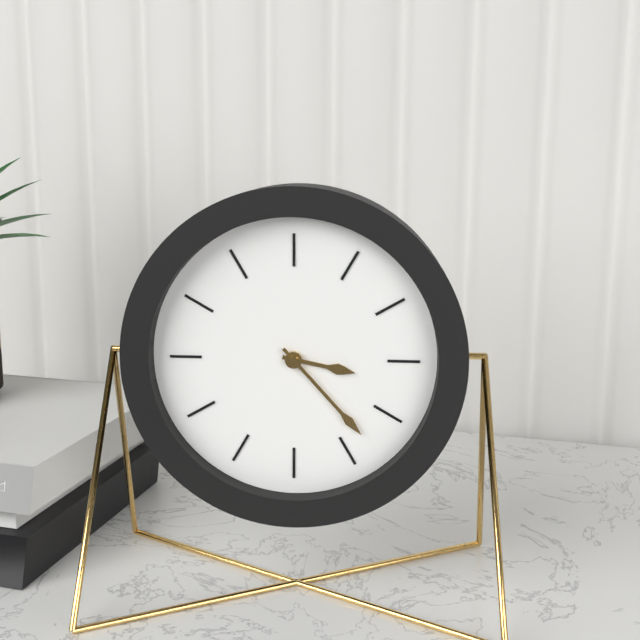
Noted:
**3:23**
